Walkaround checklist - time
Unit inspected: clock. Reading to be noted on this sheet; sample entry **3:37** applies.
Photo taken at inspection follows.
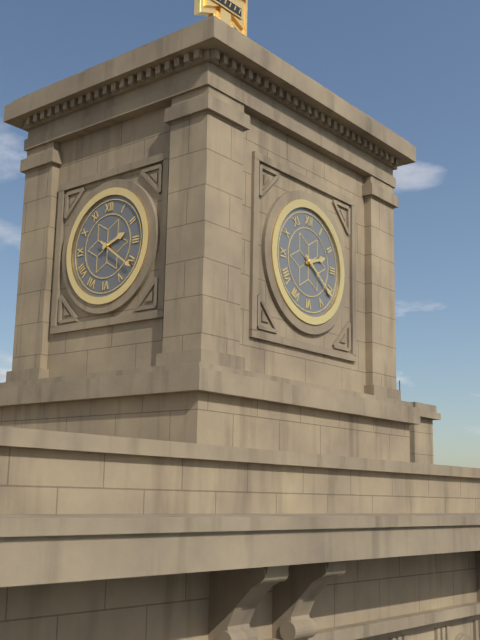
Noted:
**2:21**
